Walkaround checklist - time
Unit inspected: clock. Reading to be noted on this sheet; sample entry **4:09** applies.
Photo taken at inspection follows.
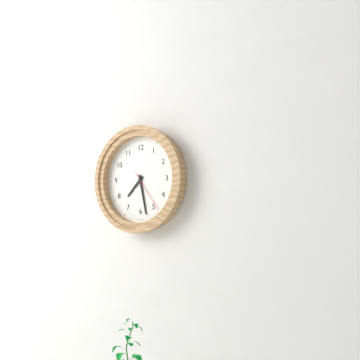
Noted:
**7:28**
